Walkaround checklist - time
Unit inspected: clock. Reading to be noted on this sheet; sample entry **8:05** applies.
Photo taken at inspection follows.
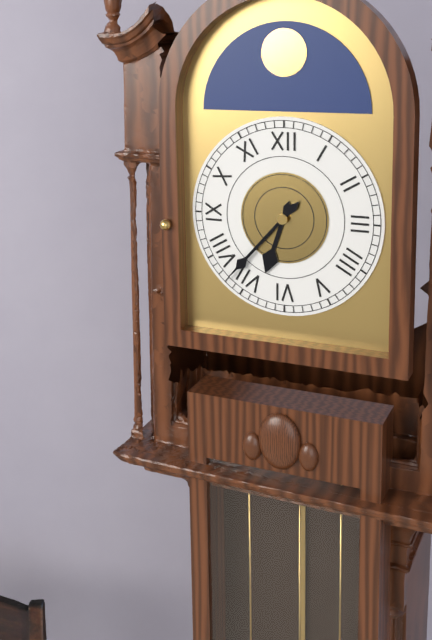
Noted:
**6:37**
